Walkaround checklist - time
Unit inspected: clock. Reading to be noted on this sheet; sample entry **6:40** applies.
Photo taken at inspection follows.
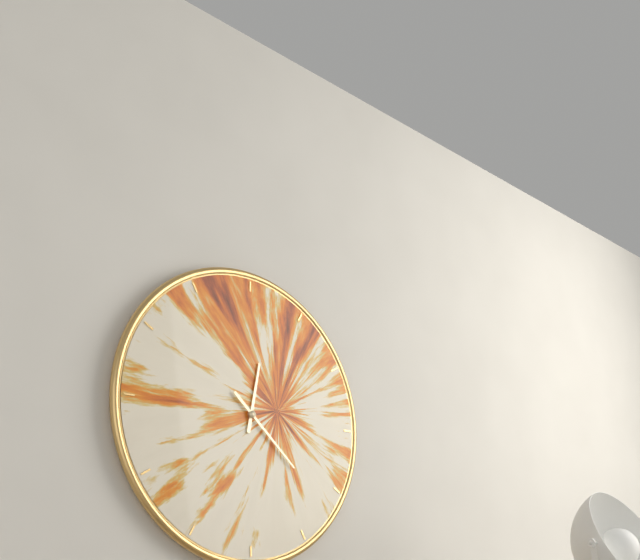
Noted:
**12:22**
